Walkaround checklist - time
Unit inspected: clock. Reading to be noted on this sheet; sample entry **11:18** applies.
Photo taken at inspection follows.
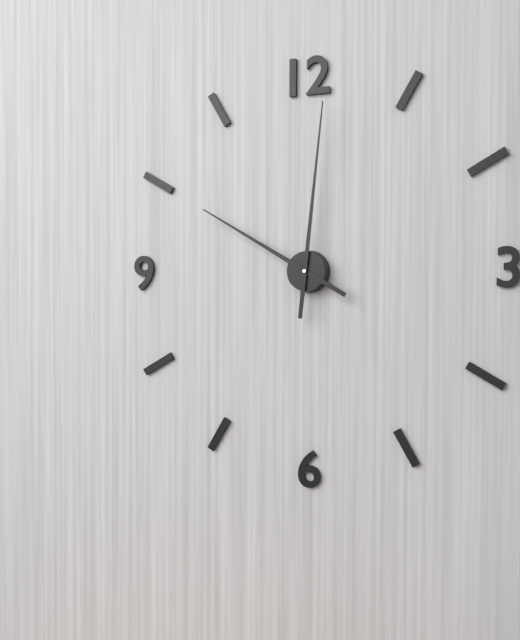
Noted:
**10:01**
